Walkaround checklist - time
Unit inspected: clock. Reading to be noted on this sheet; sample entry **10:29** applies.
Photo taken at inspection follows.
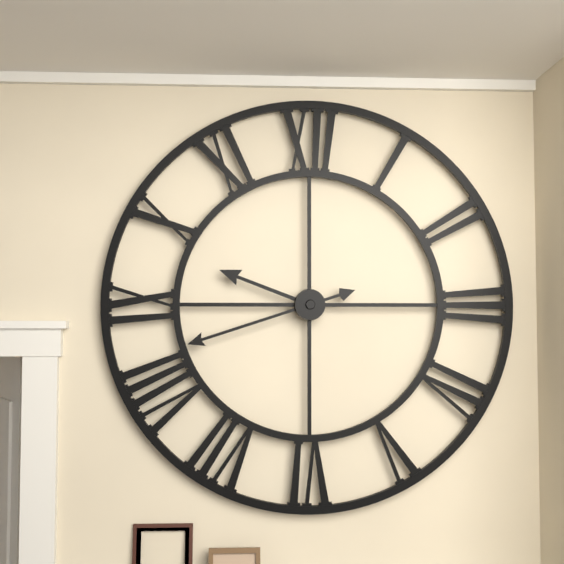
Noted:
**9:42**
